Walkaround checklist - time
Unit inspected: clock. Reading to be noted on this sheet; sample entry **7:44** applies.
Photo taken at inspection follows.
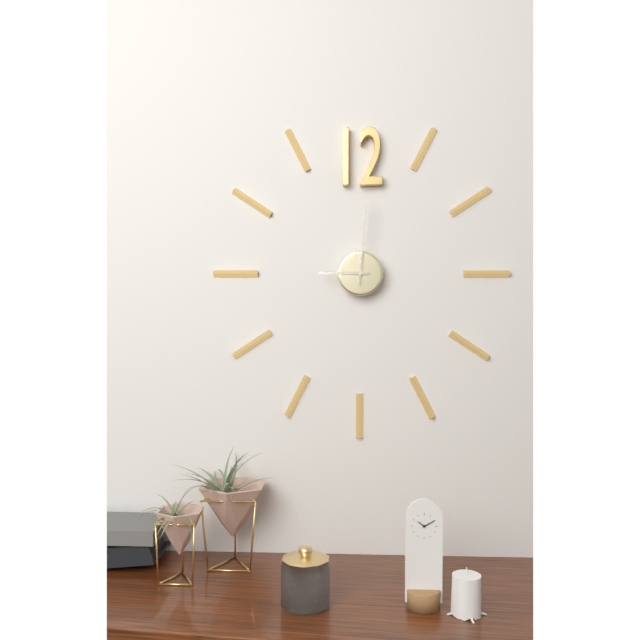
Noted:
**9:01**
